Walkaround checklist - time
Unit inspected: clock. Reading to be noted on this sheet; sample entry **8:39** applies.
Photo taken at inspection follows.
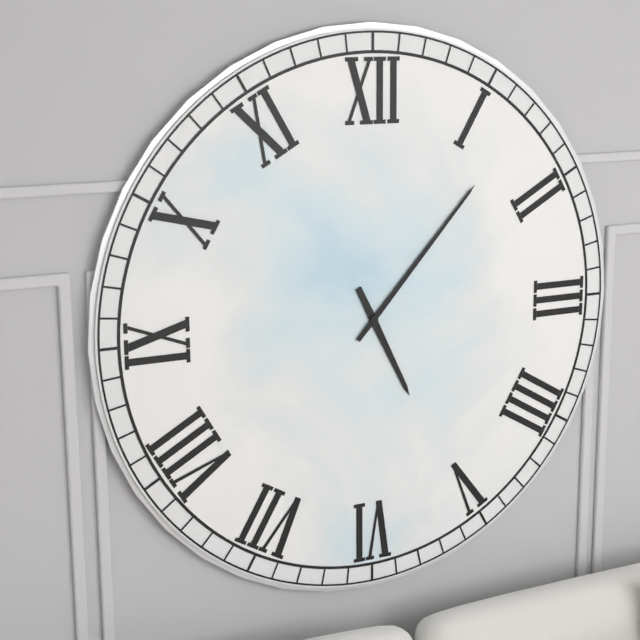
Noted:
**5:07**
